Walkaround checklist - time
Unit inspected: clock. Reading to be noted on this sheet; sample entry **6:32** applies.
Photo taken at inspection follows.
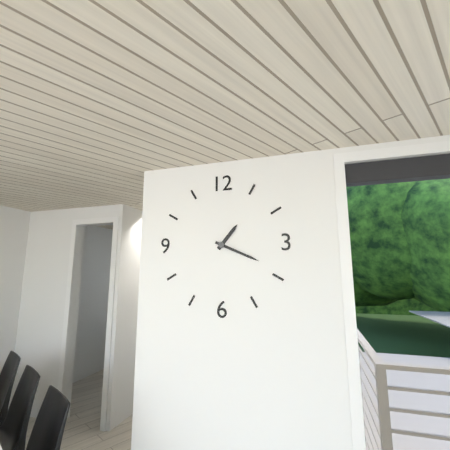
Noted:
**1:19**
